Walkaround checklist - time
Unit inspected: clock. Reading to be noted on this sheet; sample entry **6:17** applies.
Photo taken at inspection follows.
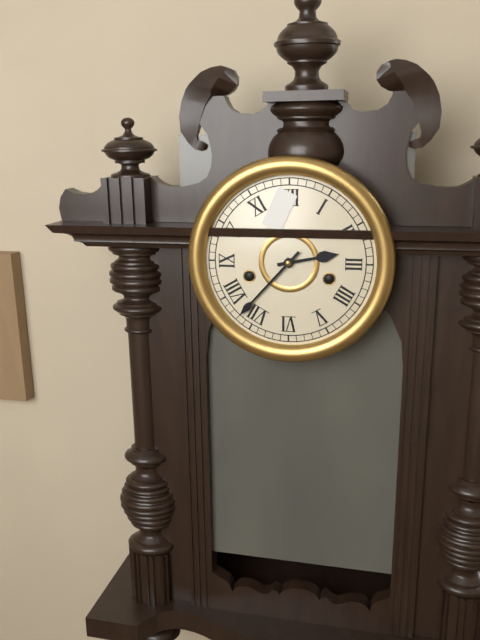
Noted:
**2:37**
